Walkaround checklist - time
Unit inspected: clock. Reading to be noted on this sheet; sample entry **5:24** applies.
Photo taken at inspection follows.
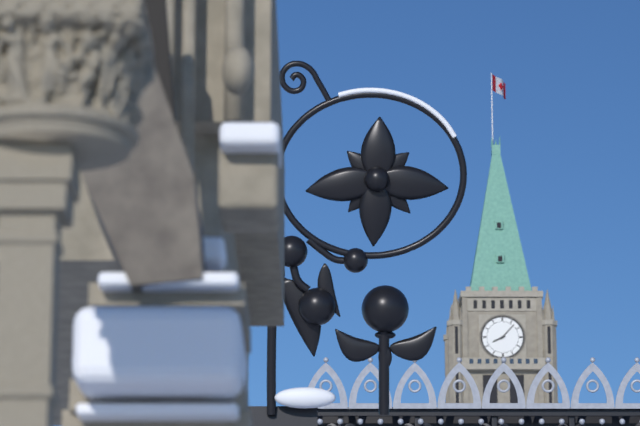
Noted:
**8:07**
